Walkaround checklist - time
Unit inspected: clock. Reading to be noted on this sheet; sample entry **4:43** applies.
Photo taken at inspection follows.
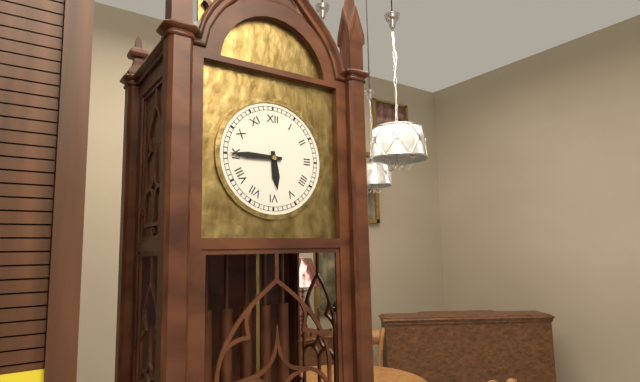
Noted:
**5:45**
